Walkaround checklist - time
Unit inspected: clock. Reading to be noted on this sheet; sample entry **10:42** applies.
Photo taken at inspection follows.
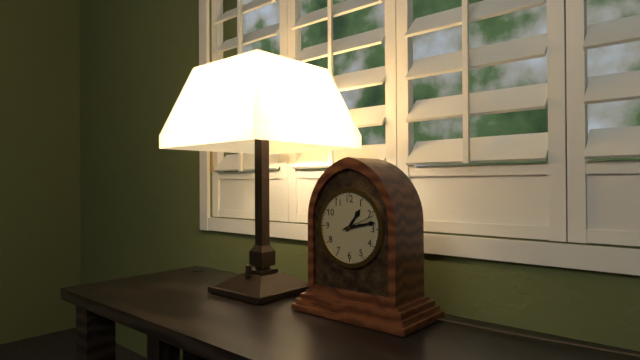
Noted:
**1:13**
